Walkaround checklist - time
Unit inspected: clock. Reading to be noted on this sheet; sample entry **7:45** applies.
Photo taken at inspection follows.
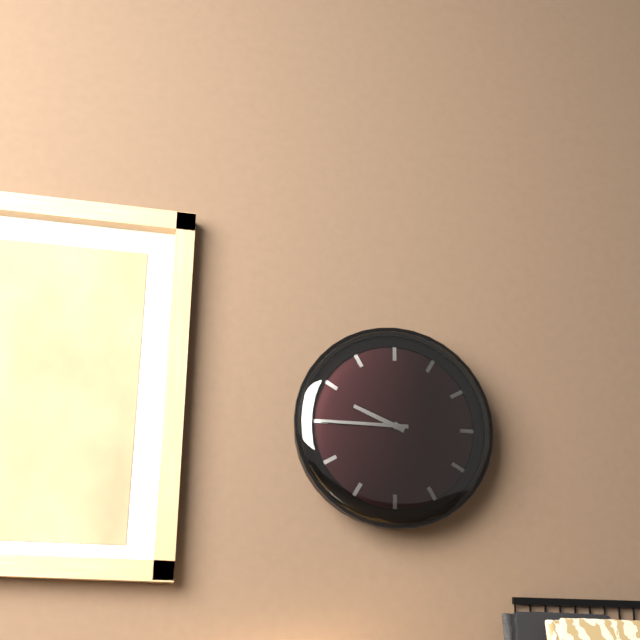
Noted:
**9:45**
